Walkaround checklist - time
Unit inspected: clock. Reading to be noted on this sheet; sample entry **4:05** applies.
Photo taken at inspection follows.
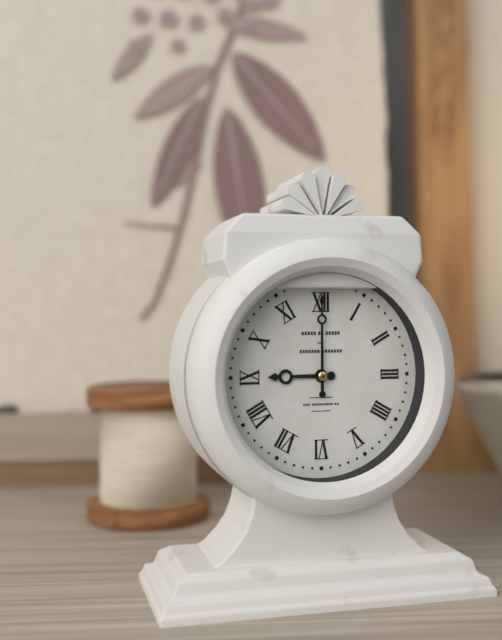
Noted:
**9:00**
